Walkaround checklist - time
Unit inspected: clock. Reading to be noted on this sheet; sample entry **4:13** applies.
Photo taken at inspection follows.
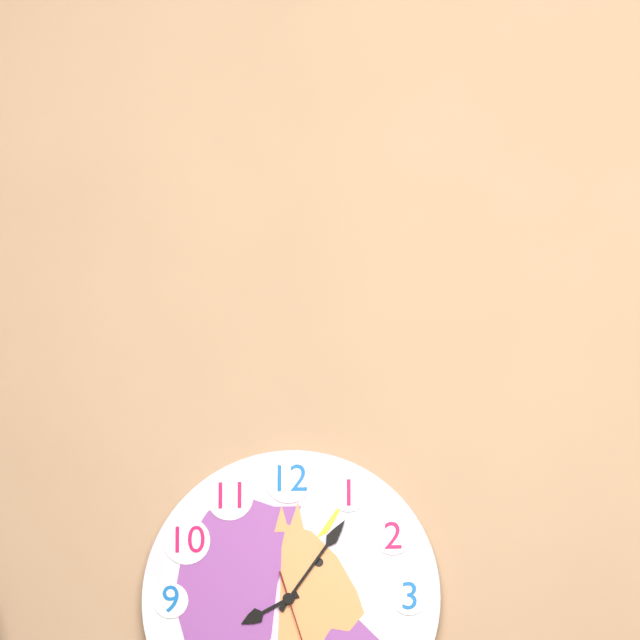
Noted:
**8:06**
